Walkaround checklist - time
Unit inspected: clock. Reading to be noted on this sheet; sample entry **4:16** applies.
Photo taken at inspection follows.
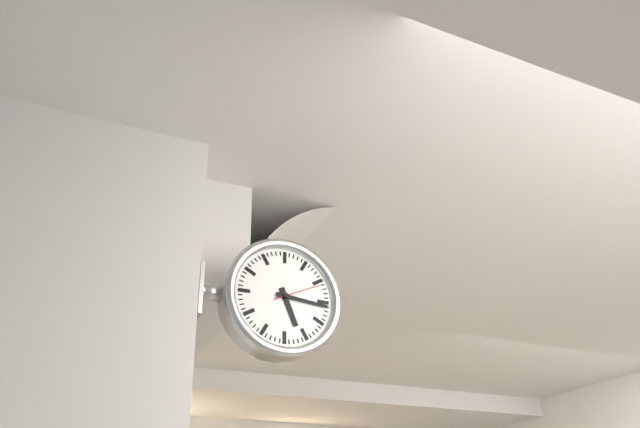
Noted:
**5:16**
